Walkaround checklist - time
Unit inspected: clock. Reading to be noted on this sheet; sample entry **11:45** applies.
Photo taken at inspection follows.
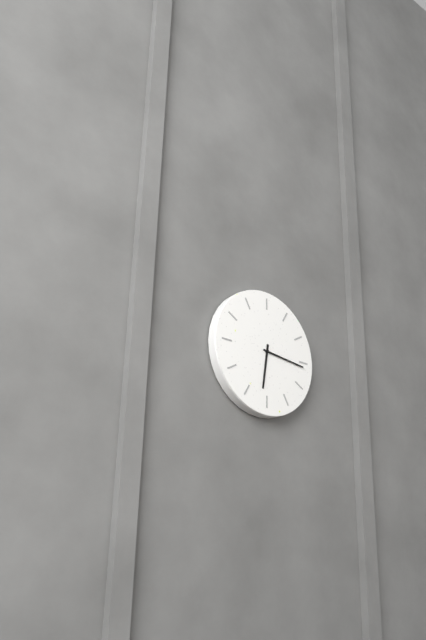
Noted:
**6:16**
